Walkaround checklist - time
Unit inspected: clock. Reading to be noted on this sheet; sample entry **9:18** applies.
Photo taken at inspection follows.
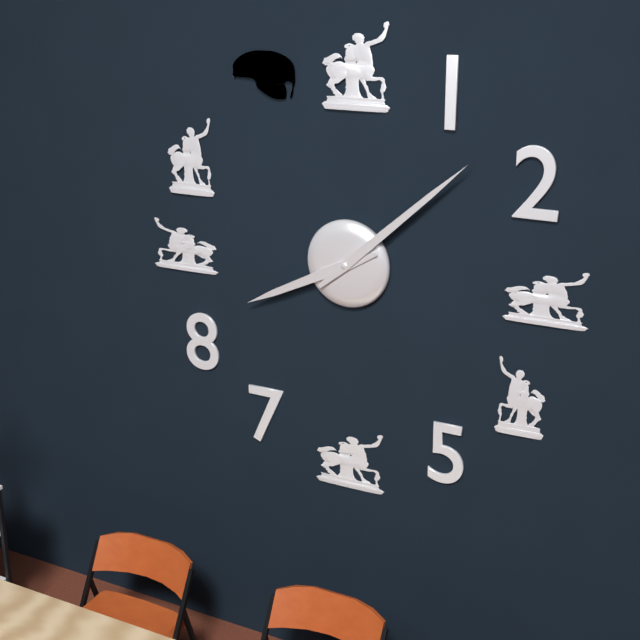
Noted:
**8:08**
